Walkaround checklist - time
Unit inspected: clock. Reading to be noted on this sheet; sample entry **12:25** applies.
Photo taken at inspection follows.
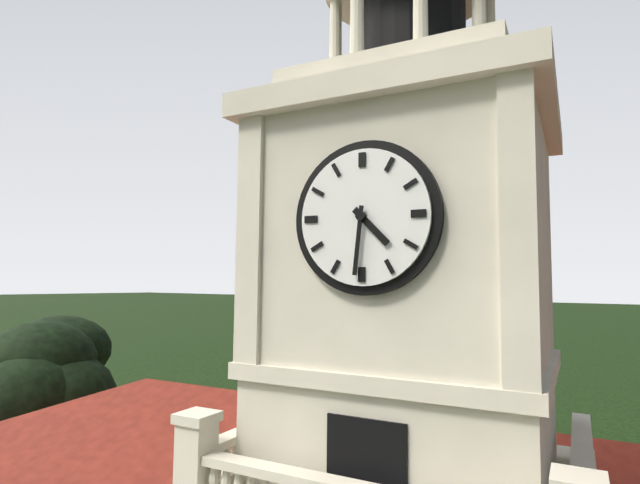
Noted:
**4:31**
